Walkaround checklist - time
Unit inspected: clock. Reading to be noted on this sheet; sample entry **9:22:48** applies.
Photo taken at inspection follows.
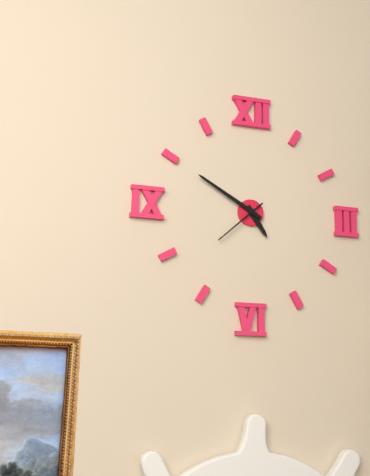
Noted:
**4:50:38**
